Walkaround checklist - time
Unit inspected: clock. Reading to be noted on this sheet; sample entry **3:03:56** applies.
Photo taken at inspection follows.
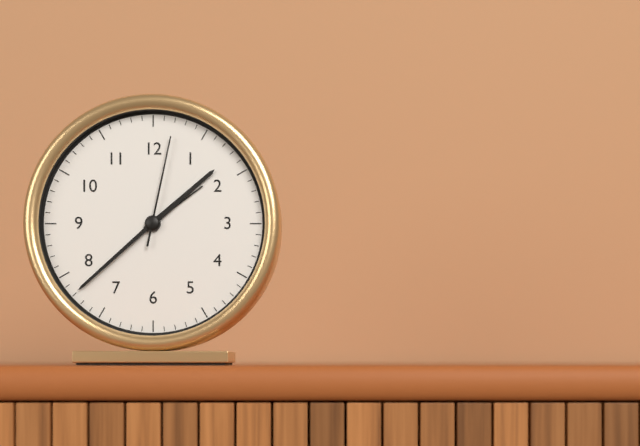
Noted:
**1:38:02**
